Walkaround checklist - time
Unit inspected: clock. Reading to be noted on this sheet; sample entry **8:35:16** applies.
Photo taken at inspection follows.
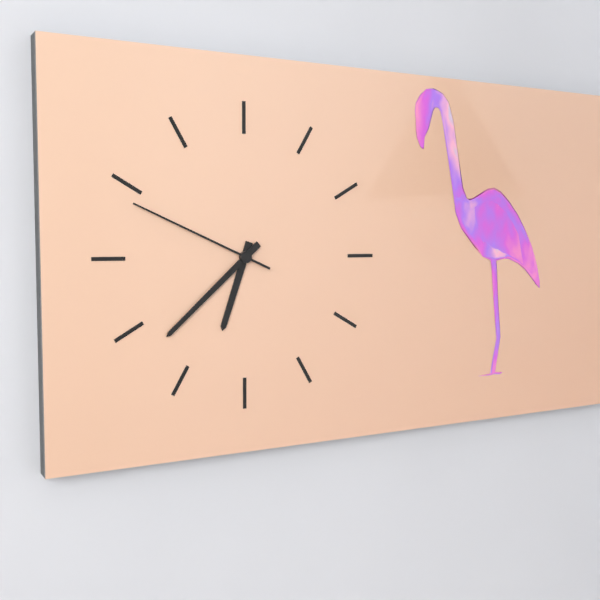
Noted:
**6:38:49**
